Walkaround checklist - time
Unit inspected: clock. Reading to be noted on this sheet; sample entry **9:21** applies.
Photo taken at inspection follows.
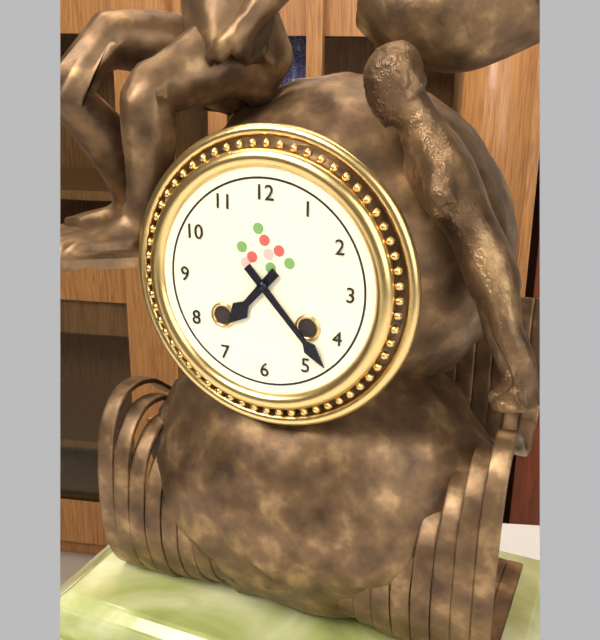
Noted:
**7:23**
